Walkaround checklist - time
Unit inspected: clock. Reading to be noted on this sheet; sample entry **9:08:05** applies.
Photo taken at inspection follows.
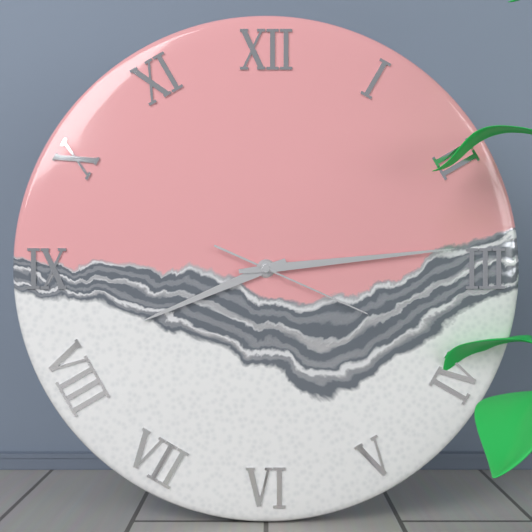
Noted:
**8:14:19**
